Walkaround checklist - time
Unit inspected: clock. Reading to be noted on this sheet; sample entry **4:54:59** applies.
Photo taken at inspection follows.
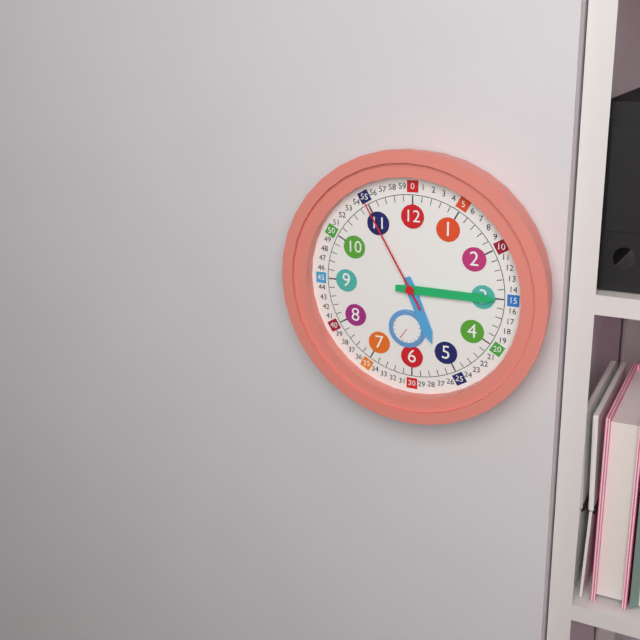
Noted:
**5:15:55**
